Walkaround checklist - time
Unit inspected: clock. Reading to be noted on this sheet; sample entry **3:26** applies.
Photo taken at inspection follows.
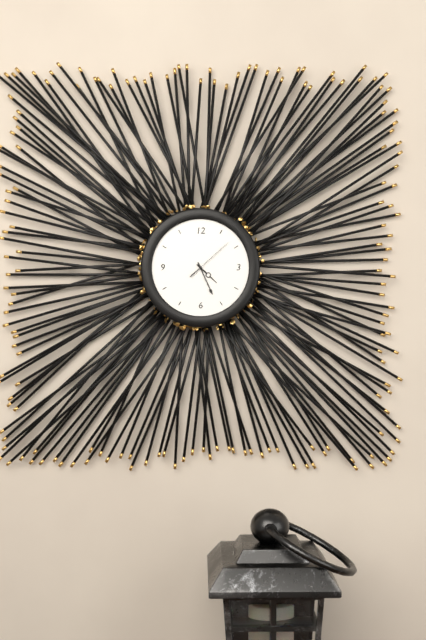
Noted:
**4:26**
